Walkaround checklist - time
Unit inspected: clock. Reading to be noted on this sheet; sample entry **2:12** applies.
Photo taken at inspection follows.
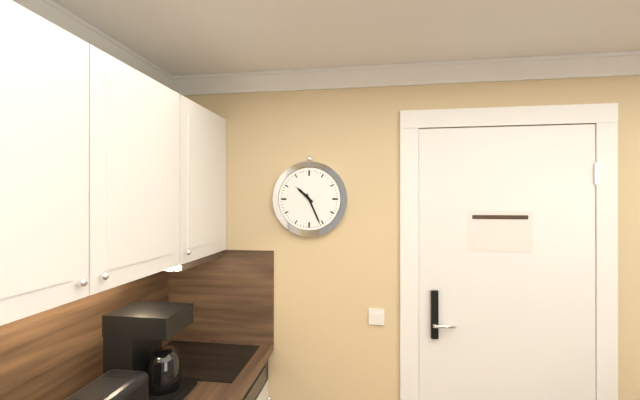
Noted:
**10:26**
